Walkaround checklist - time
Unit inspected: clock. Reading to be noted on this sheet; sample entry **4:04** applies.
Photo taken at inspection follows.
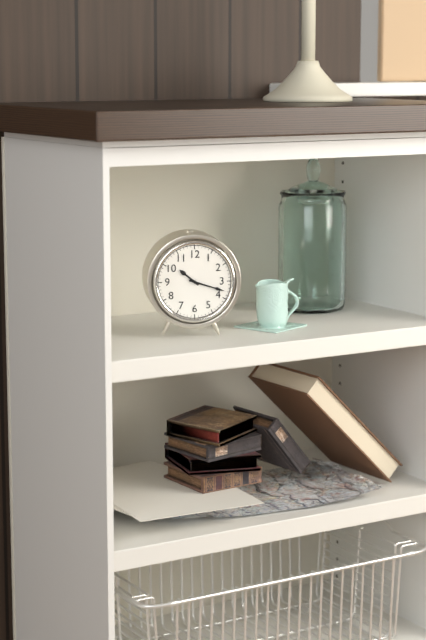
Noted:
**10:18**
